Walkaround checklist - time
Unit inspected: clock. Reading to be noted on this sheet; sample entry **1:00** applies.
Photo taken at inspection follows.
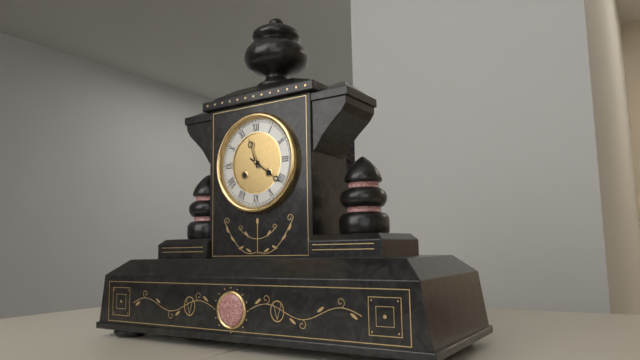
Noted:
**11:21**
